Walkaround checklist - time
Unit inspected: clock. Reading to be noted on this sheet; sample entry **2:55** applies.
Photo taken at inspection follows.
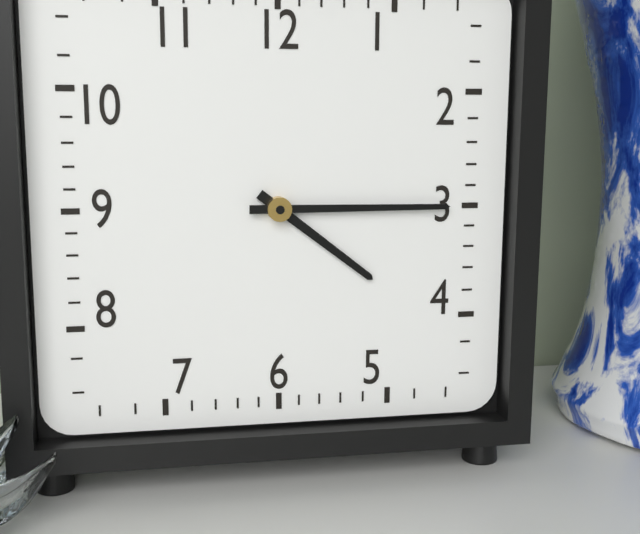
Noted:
**4:15**
